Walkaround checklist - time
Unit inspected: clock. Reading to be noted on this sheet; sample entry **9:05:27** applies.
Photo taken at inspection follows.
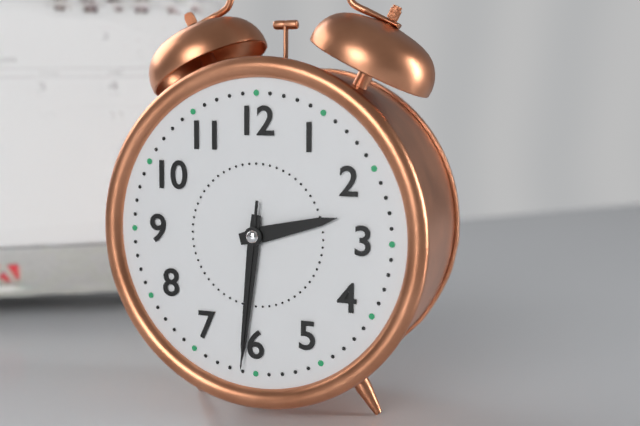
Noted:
**2:31:31**
